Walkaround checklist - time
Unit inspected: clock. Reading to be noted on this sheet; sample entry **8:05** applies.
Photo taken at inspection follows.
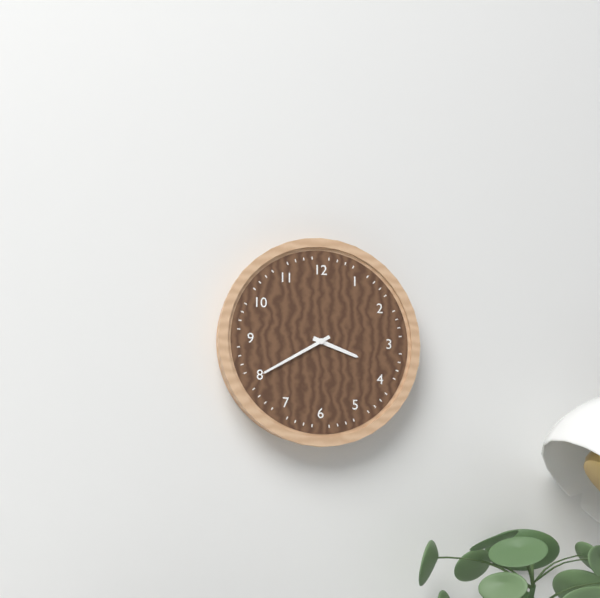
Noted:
**3:40**
